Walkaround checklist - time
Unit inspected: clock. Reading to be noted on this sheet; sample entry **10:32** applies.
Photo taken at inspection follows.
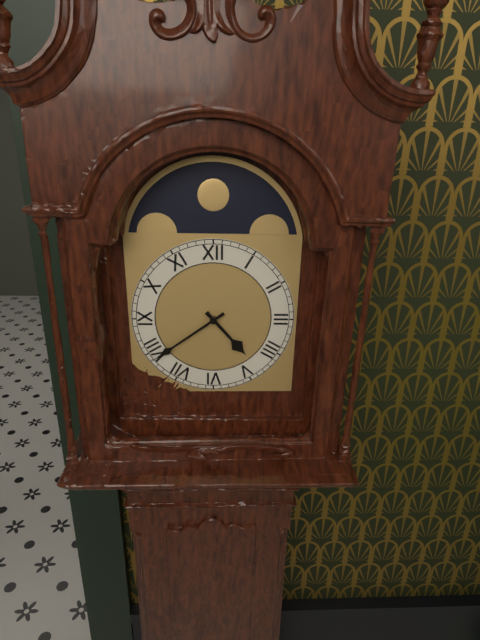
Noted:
**4:39**
